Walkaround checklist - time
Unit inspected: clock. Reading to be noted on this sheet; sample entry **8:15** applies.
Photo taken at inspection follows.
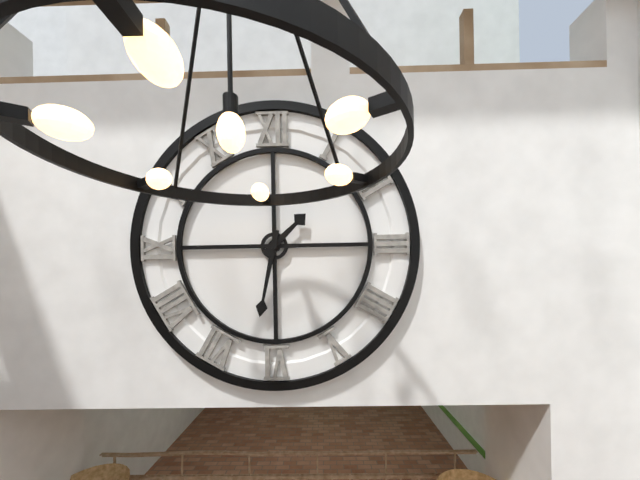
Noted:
**1:32**
